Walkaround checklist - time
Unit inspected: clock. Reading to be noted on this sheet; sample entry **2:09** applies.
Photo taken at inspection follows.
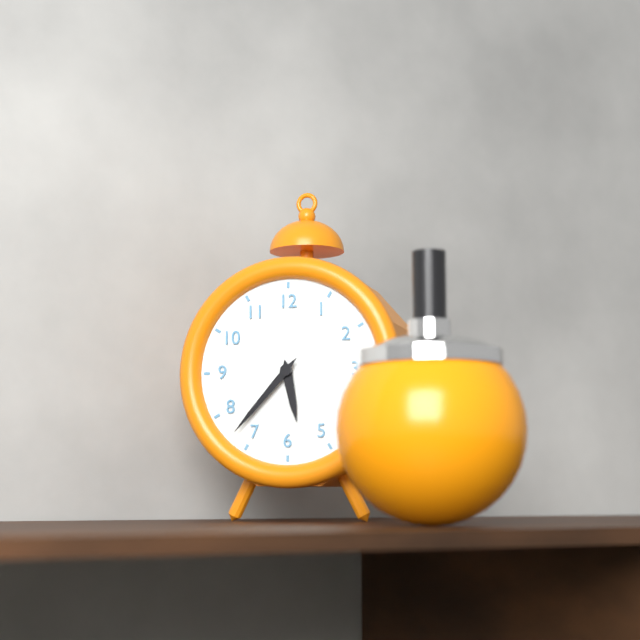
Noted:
**5:37**
